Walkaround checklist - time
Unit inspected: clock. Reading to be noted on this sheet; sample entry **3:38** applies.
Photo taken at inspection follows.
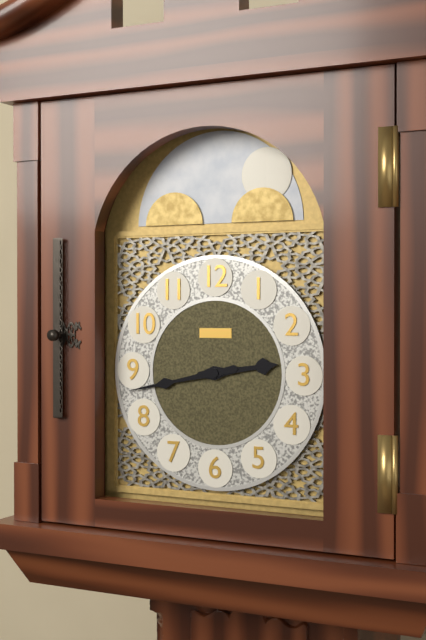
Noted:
**2:43**
